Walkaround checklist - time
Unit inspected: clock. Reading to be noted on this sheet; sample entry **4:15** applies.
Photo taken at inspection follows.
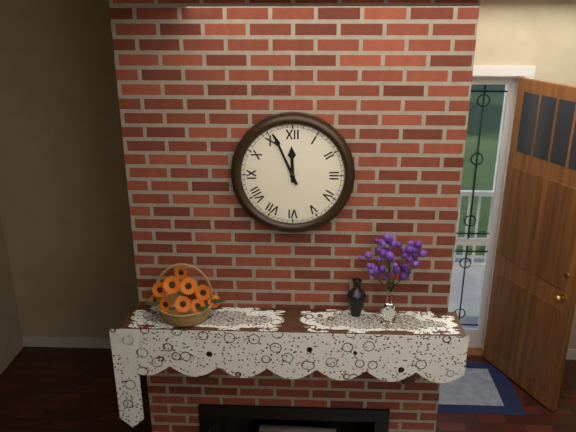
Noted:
**11:56**
